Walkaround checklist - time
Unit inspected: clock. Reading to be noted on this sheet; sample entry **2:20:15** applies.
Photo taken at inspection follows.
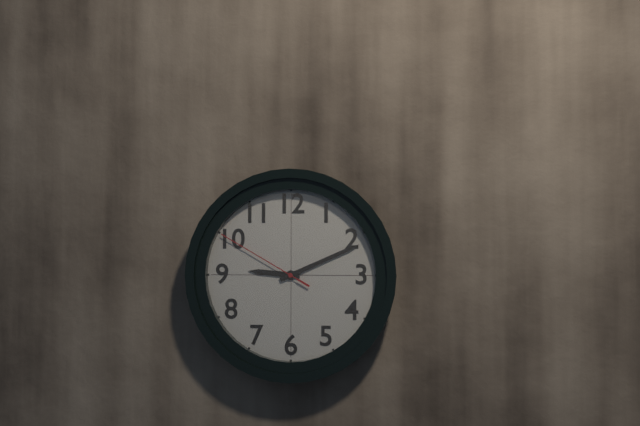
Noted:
**9:11:50**
